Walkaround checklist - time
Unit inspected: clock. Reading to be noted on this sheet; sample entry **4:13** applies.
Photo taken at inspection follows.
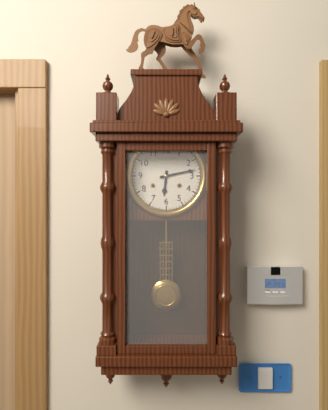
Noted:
**6:13**
